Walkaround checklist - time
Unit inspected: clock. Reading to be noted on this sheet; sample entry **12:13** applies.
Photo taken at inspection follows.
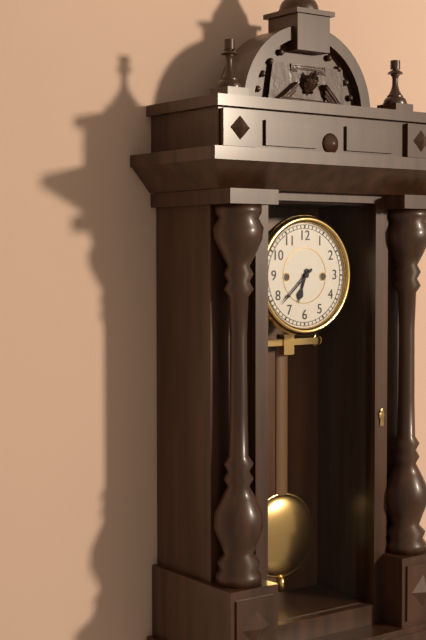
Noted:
**6:38**
